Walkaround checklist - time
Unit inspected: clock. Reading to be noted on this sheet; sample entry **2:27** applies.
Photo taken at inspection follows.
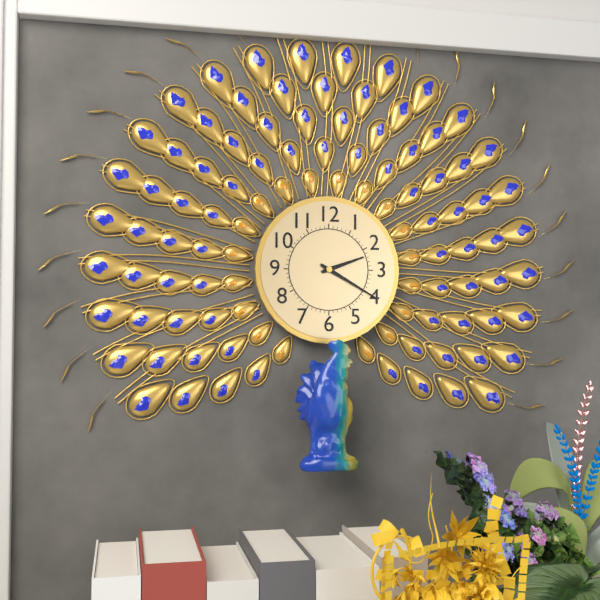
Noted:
**2:20**
